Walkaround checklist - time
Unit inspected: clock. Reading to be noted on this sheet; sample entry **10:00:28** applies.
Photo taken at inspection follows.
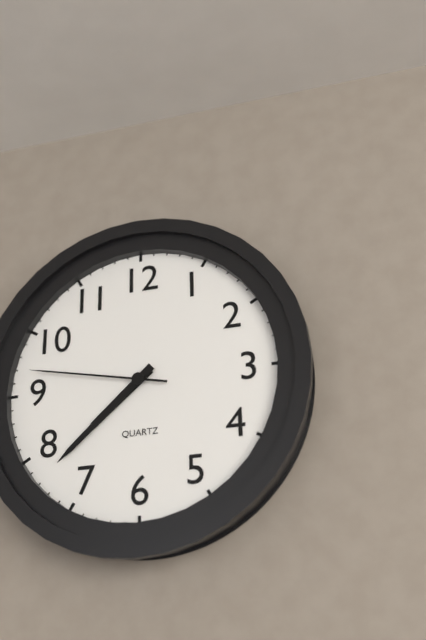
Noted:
**7:38:47**
